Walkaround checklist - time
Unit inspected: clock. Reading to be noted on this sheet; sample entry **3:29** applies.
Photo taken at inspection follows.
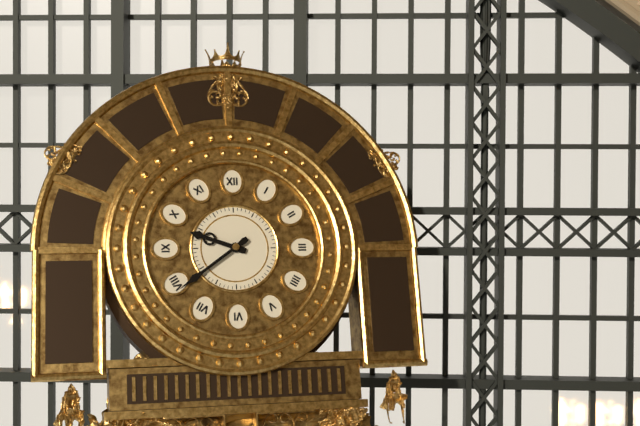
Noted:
**9:39**
